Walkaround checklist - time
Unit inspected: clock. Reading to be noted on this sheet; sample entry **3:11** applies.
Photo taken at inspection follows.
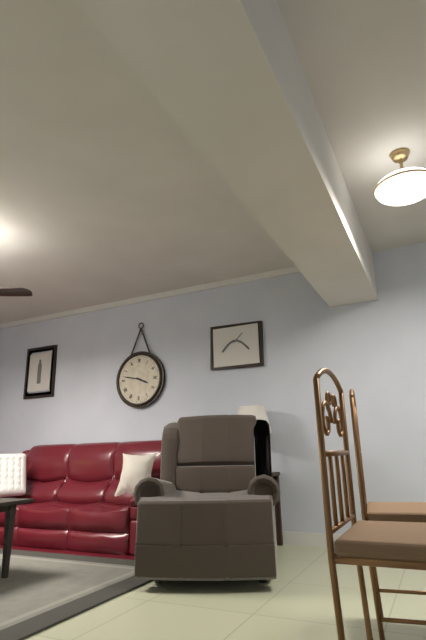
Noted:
**3:47**
